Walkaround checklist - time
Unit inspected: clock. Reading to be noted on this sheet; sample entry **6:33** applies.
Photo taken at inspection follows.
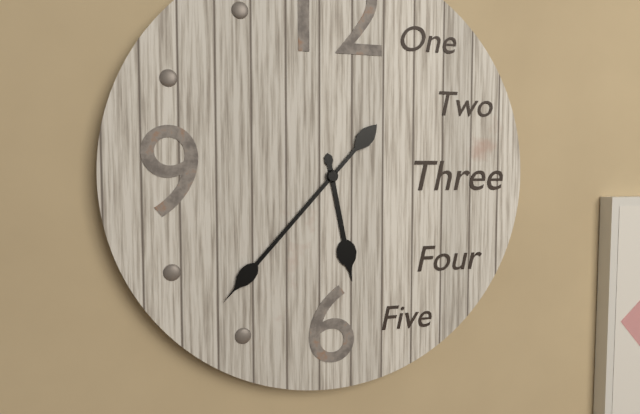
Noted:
**5:37**
